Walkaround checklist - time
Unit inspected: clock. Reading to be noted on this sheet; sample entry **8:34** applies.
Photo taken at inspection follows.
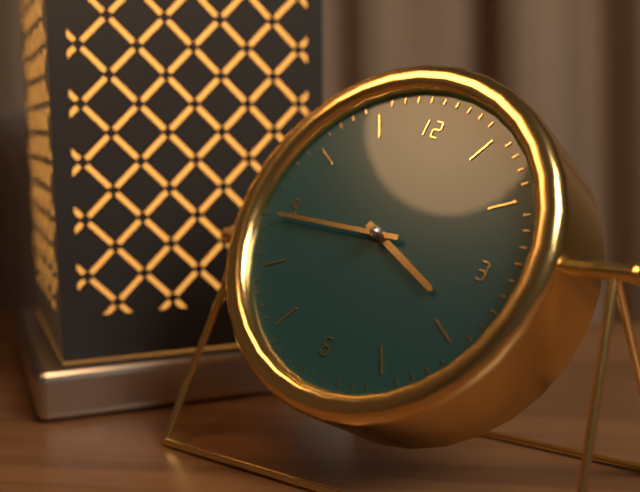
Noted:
**3:44**
